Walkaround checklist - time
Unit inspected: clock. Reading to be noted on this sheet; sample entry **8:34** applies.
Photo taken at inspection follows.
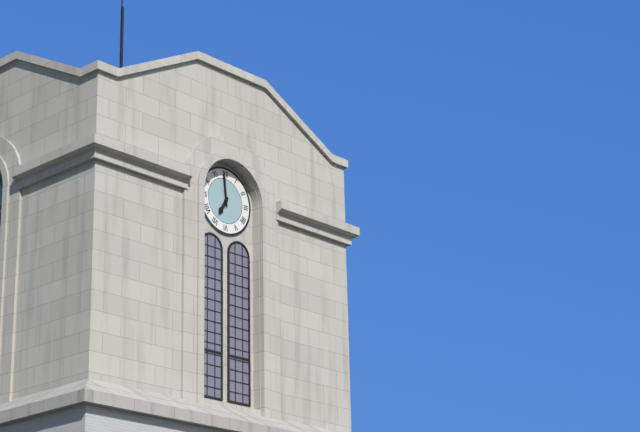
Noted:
**6:59**
